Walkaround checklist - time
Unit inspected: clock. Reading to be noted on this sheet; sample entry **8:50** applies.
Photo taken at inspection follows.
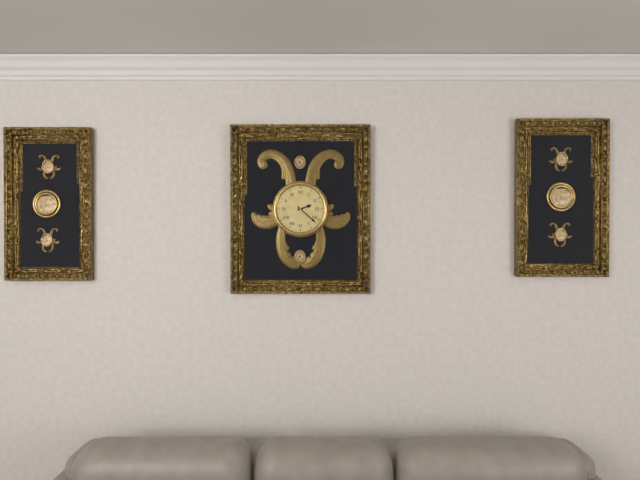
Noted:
**2:22**
